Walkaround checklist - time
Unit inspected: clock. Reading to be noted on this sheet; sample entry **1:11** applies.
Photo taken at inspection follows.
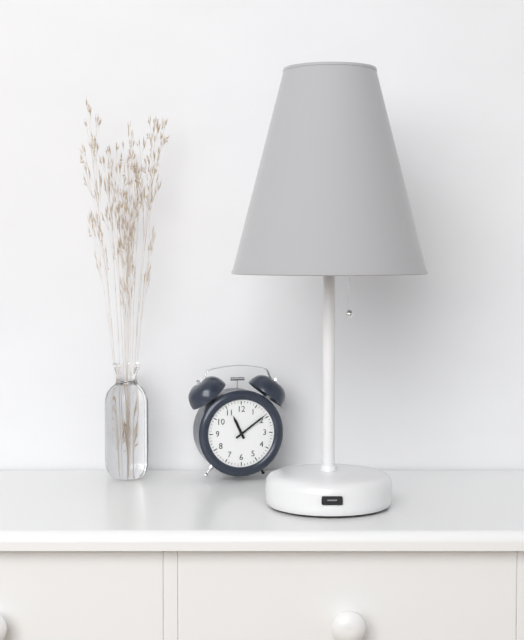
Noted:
**11:09**
